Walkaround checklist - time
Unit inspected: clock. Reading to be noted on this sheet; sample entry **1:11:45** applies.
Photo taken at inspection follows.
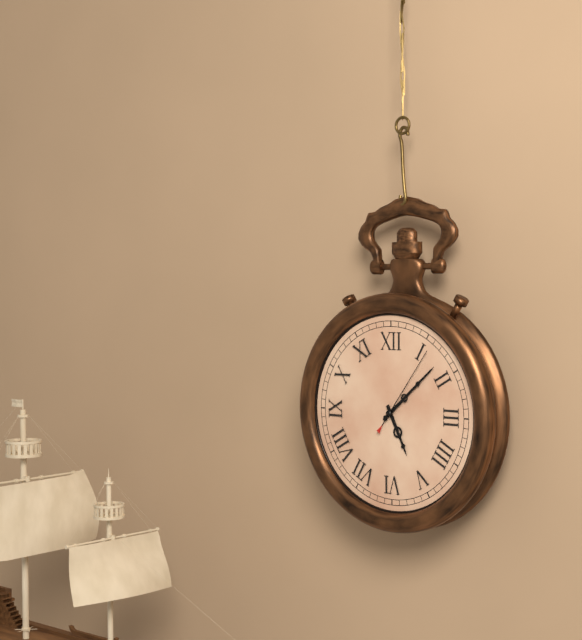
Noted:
**5:08:06**
